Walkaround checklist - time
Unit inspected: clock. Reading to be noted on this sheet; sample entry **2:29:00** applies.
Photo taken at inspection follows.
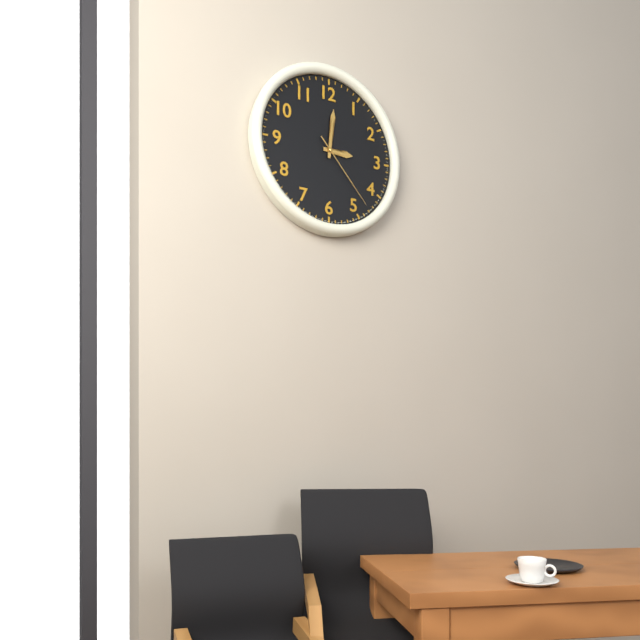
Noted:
**3:01:23**
